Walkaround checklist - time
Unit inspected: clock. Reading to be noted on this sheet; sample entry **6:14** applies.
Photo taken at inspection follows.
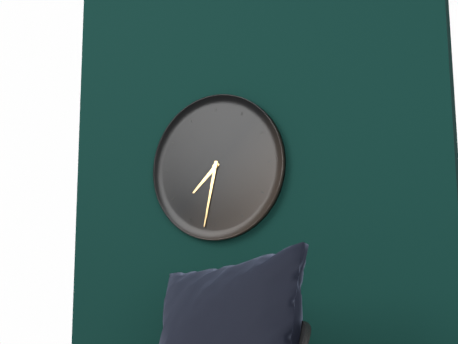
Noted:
**7:32**
